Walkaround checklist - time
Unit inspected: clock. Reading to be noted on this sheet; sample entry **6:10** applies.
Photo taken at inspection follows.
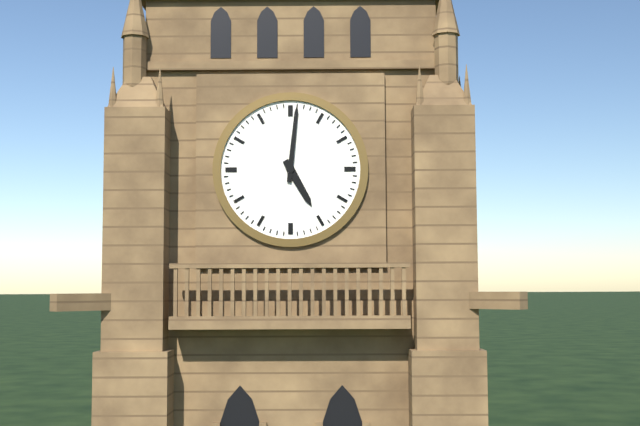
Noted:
**5:01**
